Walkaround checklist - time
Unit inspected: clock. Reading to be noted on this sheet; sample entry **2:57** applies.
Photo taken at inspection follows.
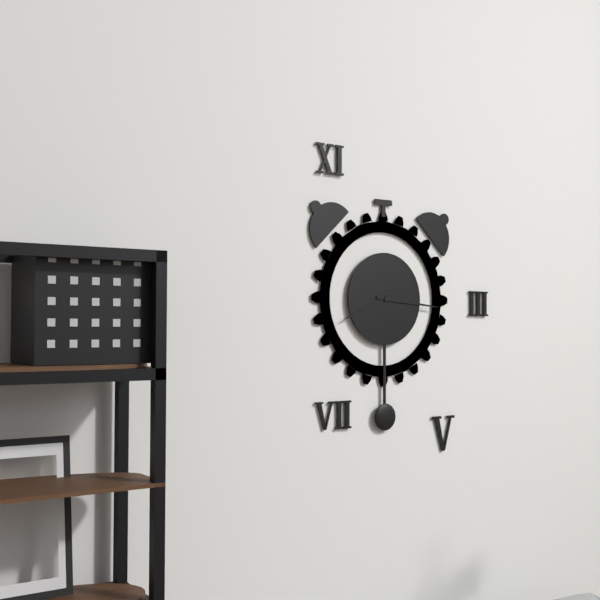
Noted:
**8:16**
